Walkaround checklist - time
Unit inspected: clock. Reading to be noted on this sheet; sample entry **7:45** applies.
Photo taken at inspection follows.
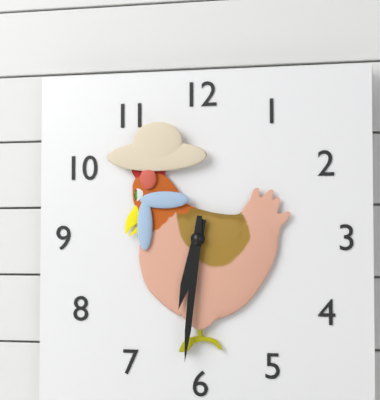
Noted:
**6:31**
